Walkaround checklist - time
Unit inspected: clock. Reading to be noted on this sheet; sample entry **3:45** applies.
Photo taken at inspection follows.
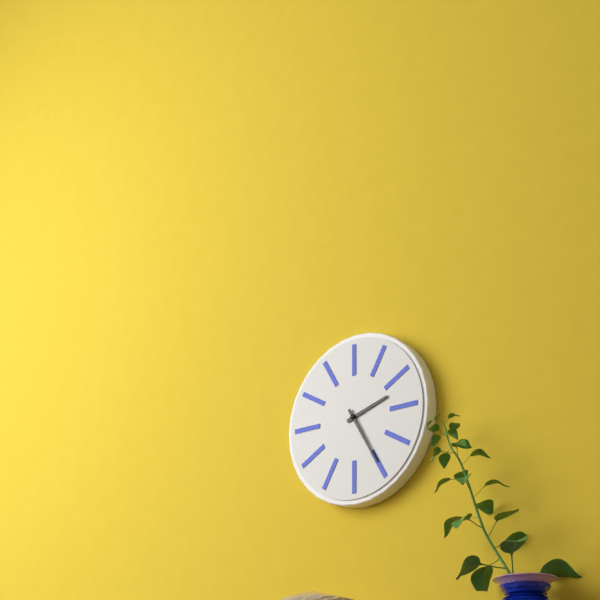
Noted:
**2:25**
